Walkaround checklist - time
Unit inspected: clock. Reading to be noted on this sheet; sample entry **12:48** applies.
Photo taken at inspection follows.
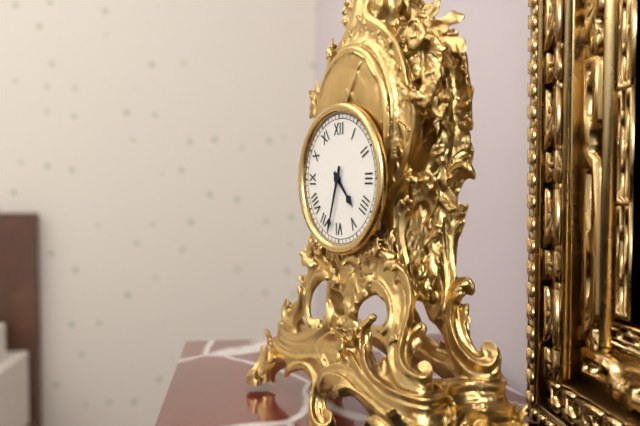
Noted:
**4:33**
